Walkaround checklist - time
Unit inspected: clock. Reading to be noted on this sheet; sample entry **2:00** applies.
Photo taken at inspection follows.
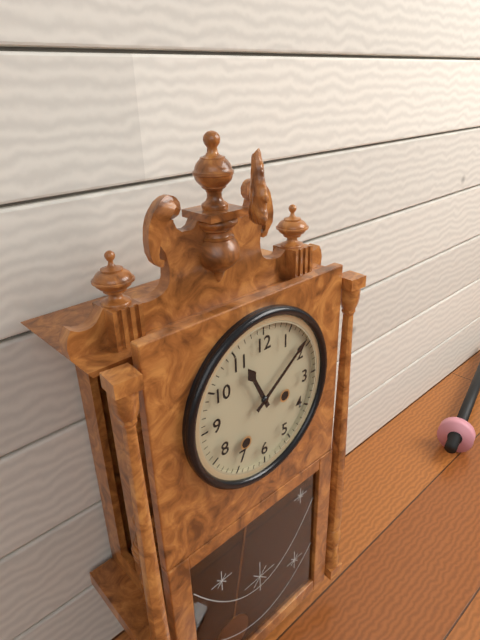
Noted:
**11:09**
